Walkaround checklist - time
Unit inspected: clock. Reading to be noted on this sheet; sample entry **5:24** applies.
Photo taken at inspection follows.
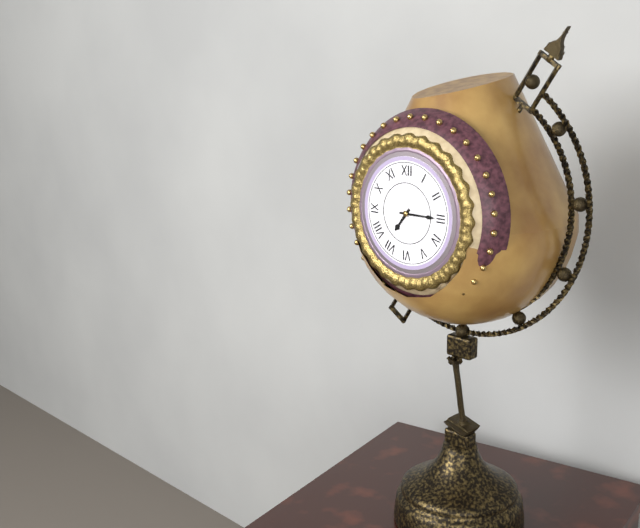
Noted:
**7:15**
